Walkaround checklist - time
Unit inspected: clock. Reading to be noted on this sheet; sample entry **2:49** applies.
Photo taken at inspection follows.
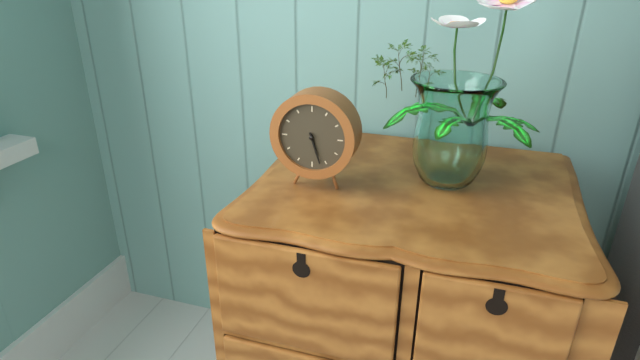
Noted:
**5:27**
